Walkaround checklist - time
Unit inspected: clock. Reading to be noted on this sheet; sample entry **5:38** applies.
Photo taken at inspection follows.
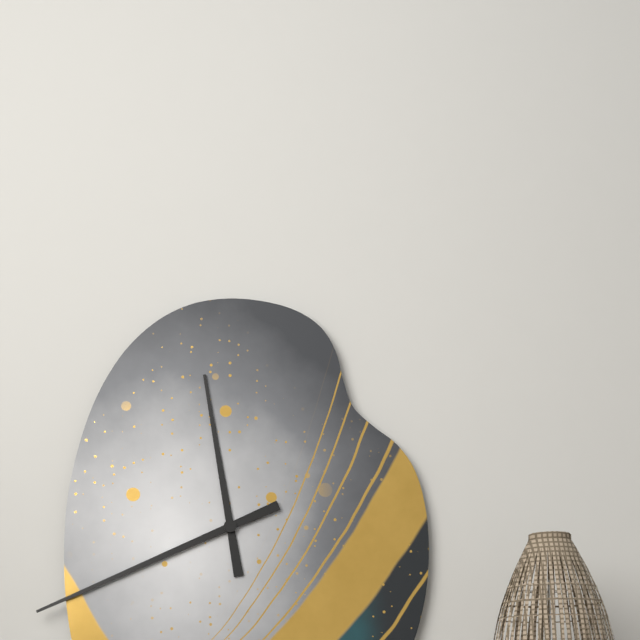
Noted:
**11:41**
